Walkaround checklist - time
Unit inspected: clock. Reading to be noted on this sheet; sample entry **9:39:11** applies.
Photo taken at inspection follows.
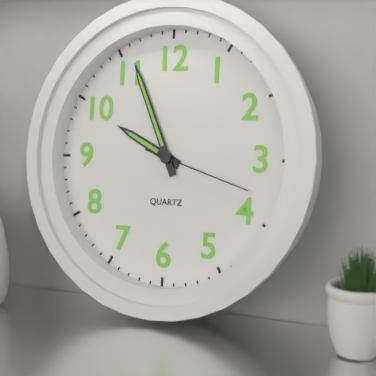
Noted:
**9:56:18**
